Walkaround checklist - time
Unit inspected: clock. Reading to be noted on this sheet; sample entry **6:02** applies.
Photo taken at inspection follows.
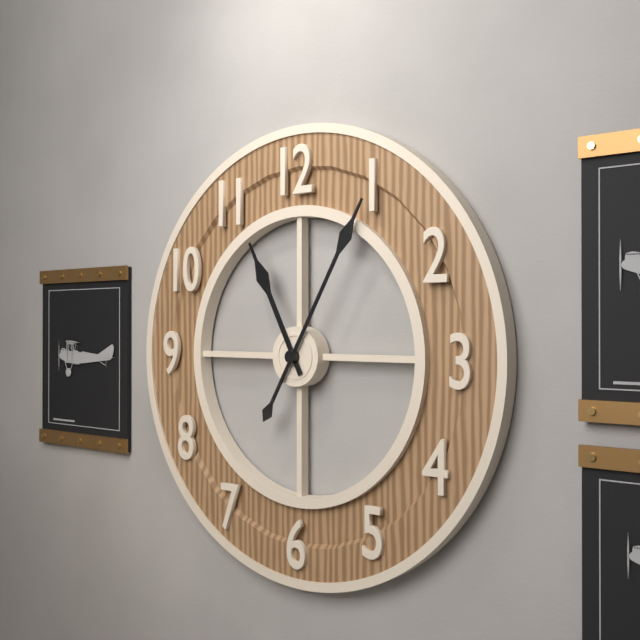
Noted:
**11:05**
